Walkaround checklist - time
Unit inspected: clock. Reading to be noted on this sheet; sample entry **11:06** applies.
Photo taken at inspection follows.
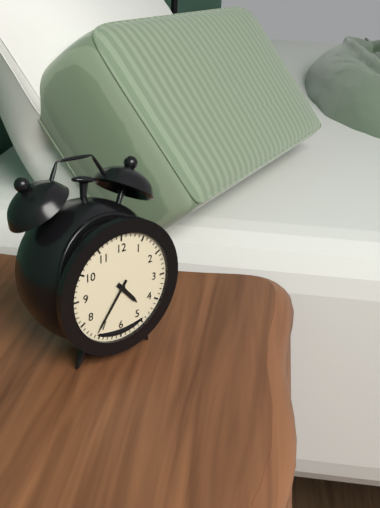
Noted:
**4:36**
